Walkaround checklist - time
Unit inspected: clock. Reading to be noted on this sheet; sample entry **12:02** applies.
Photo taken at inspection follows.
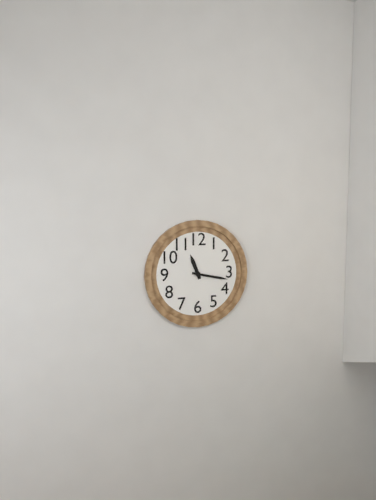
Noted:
**11:17**
